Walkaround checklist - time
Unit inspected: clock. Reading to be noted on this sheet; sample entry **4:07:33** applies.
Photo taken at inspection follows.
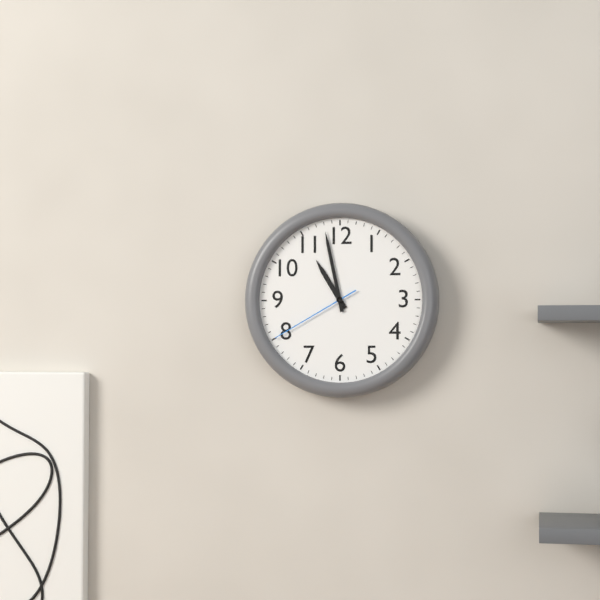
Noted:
**10:58:40**
